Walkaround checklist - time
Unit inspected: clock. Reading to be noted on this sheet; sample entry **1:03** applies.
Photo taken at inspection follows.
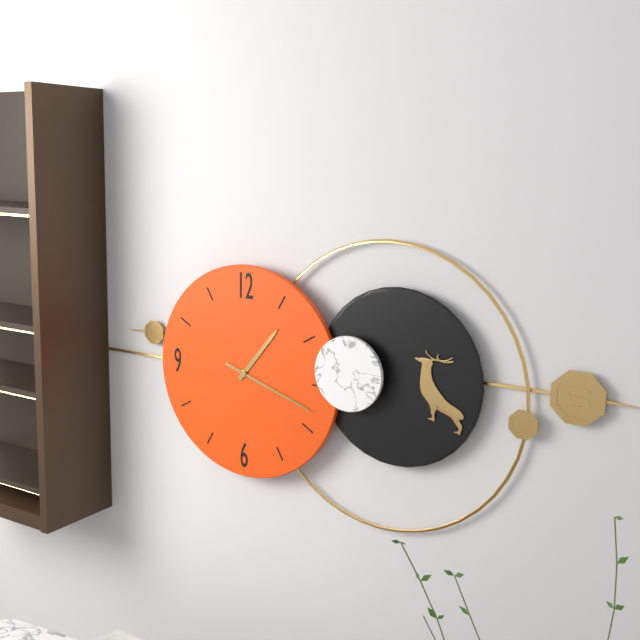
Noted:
**1:18**
